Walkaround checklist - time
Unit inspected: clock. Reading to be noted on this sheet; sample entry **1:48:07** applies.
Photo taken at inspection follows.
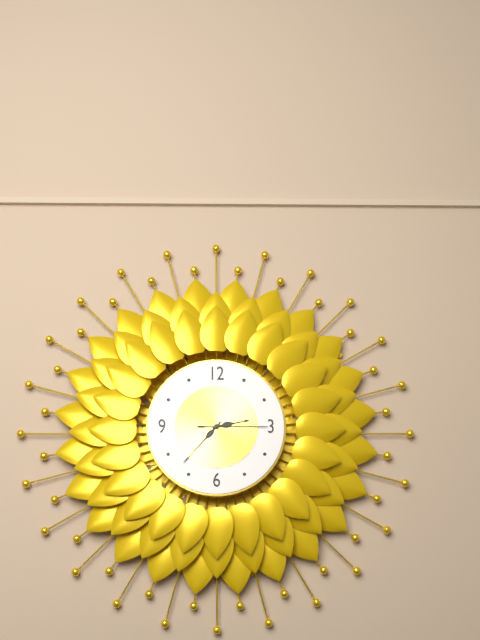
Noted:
**2:37:15**
